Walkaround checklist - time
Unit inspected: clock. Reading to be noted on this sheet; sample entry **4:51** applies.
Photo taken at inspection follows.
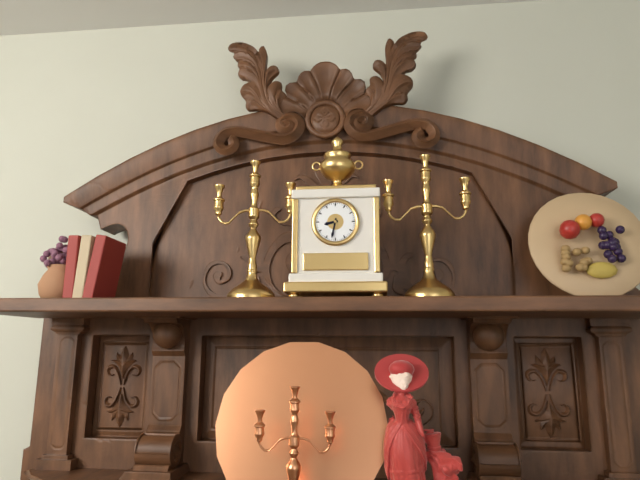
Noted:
**8:32**
